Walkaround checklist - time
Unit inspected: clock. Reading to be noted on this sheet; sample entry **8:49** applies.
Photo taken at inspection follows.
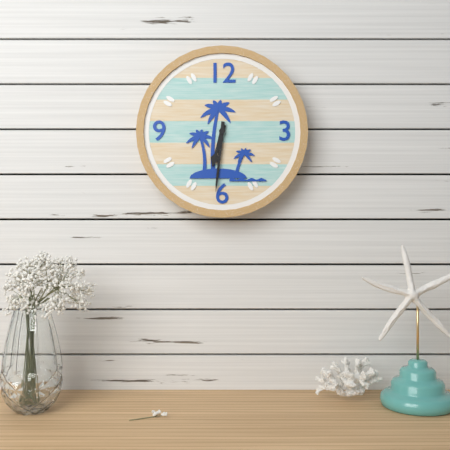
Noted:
**6:31**
